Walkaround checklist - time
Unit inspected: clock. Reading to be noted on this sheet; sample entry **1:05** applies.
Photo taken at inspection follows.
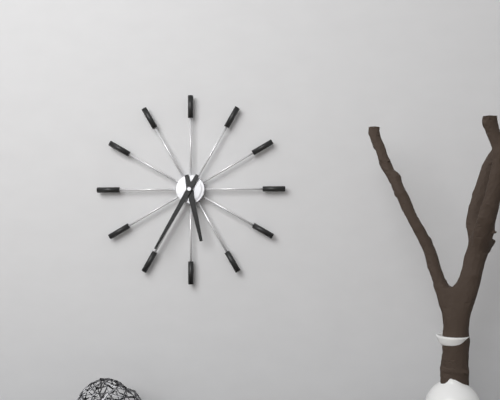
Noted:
**5:35**
